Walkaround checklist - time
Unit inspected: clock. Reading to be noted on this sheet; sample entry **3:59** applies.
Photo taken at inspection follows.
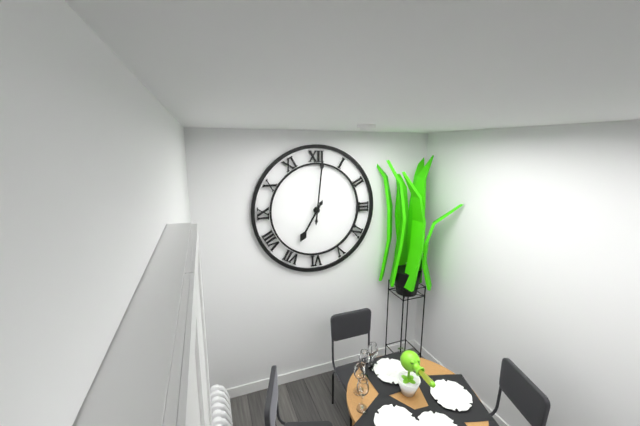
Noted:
**7:01**
